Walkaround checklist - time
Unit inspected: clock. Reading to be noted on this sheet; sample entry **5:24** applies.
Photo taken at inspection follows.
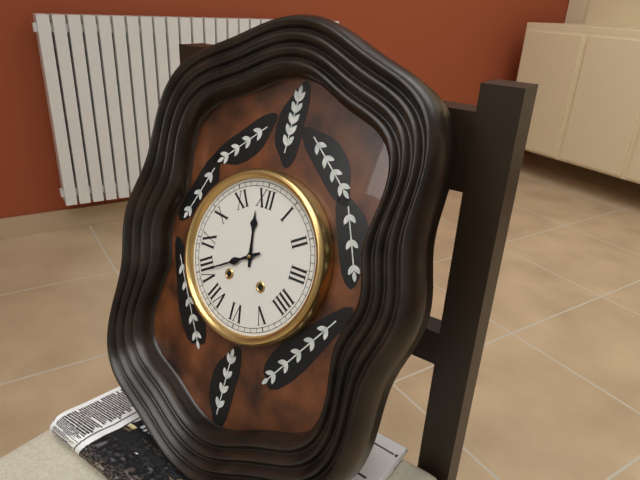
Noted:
**11:40**
